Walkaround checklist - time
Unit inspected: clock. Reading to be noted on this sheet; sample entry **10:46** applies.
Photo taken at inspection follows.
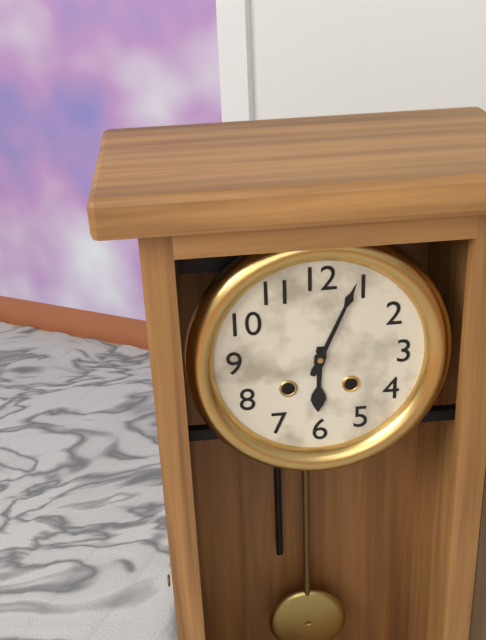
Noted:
**6:04**
